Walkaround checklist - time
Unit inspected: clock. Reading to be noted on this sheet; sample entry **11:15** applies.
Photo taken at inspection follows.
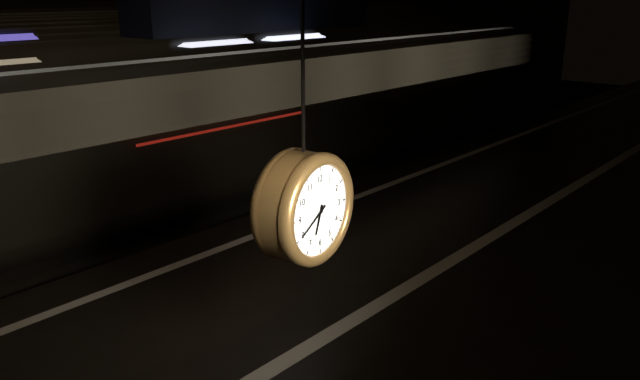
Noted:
**6:40**
